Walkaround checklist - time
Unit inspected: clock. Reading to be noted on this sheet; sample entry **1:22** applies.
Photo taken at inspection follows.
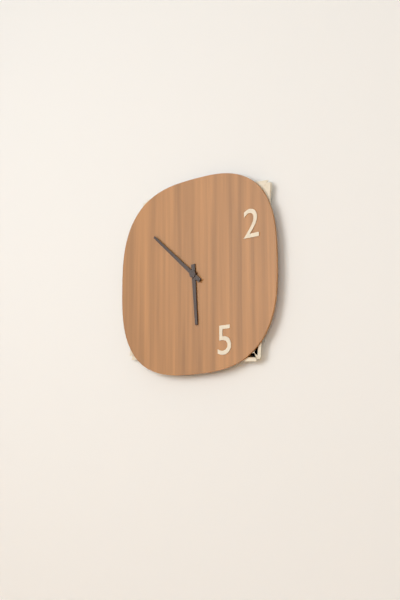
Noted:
**5:52**
